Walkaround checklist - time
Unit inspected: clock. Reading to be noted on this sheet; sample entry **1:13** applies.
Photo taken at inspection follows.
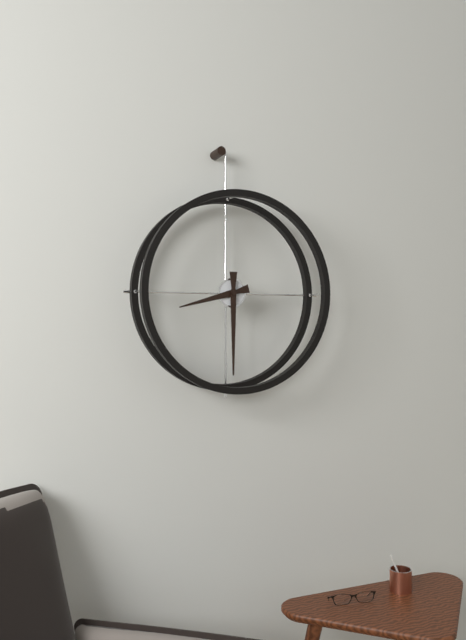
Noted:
**8:30**
